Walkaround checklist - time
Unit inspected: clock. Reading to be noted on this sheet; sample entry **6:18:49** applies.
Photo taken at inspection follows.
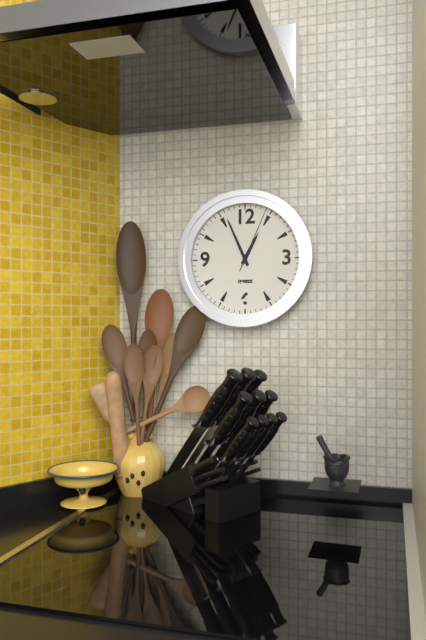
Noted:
**12:56:04**
